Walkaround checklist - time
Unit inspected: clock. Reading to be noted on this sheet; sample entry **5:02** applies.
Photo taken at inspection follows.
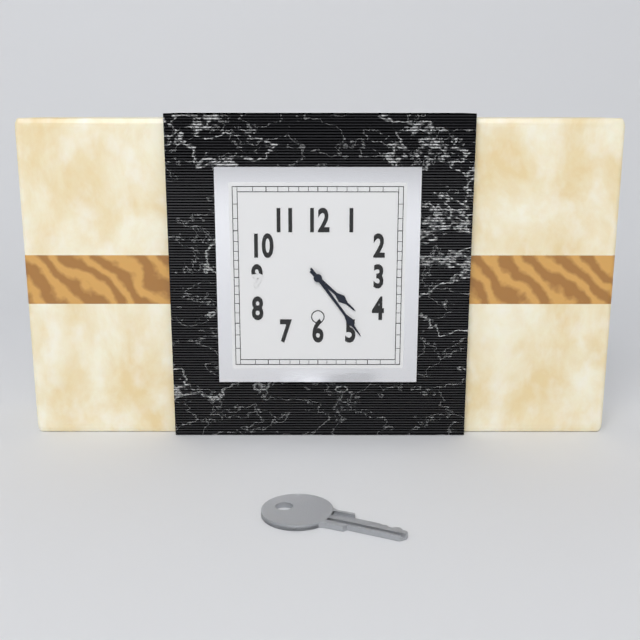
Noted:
**4:24**
